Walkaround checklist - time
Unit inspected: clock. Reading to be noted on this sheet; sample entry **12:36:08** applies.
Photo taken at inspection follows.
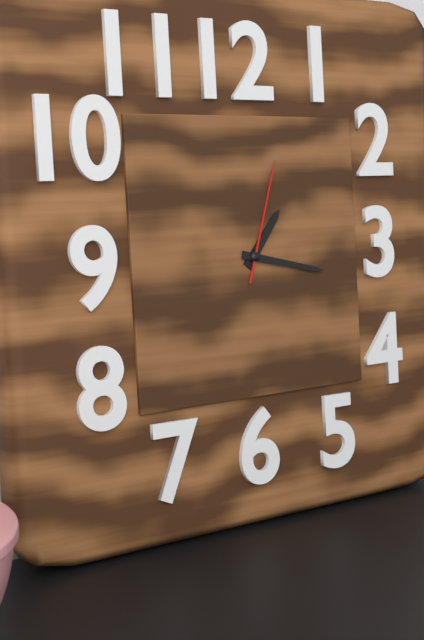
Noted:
**1:17:03**
